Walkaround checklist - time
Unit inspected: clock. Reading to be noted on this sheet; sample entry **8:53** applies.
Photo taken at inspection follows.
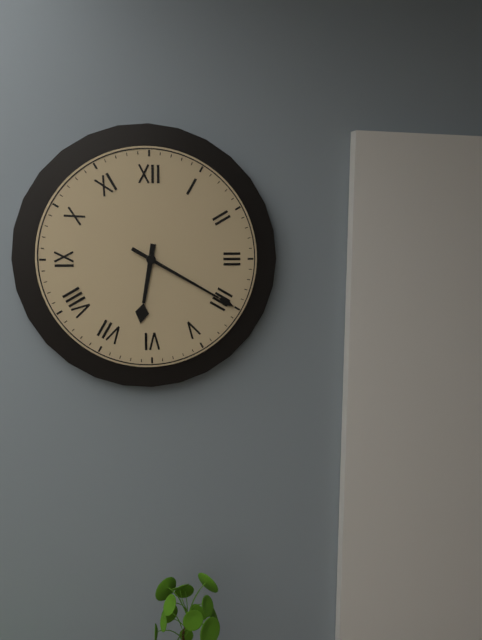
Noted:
**6:20**
